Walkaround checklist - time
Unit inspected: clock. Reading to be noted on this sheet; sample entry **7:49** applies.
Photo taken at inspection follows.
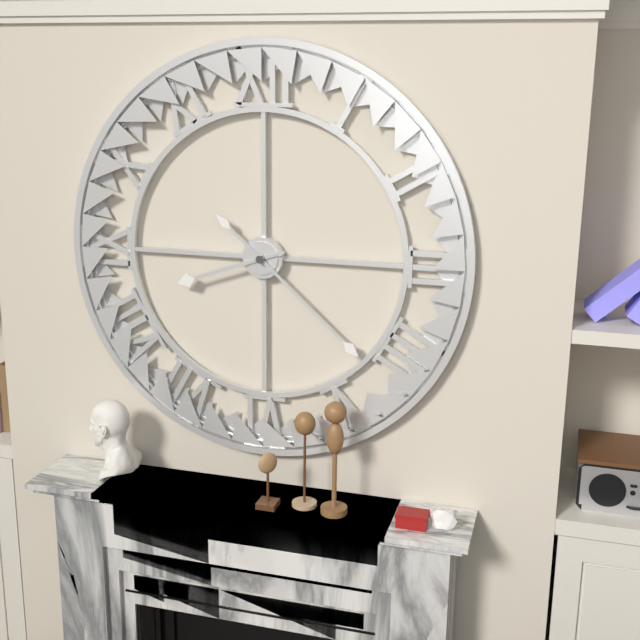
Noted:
**8:22**
